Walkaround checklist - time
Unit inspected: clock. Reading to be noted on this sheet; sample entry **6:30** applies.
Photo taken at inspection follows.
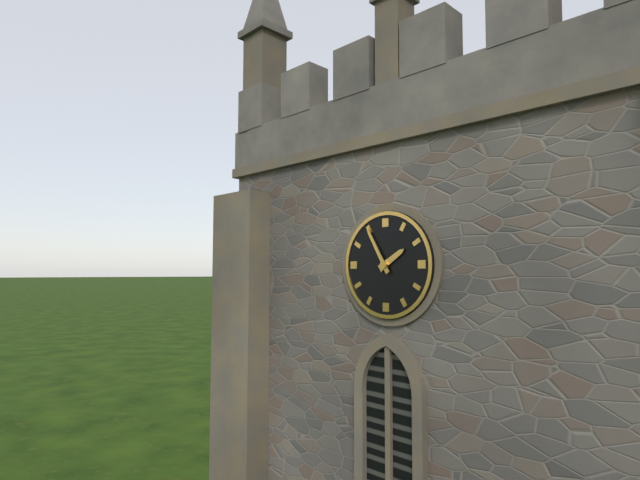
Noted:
**1:55**
